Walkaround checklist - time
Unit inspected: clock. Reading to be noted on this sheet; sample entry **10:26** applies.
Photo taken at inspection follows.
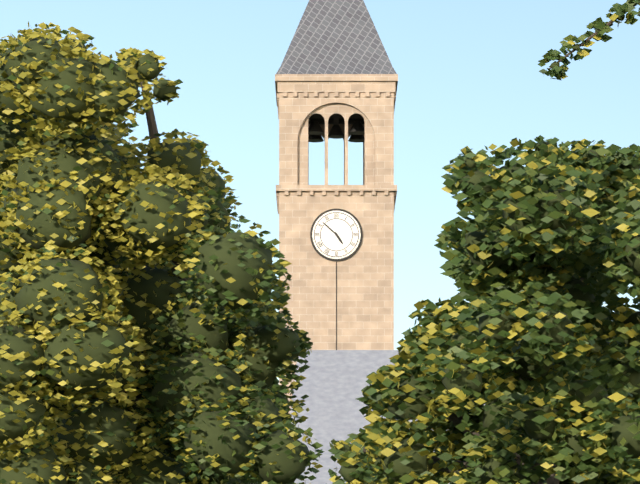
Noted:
**4:52**
